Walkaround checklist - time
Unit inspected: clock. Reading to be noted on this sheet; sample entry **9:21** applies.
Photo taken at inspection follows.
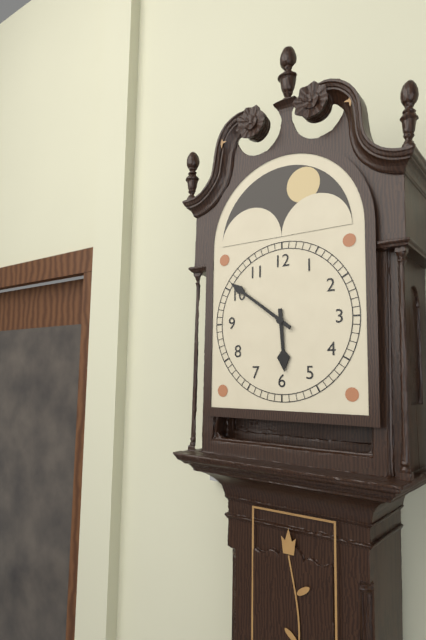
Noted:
**5:51**
